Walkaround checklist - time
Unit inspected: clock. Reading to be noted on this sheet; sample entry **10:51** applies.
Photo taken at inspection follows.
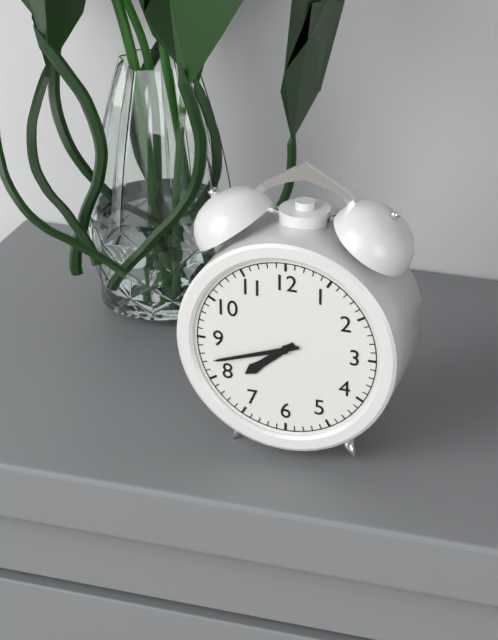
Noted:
**7:42**
